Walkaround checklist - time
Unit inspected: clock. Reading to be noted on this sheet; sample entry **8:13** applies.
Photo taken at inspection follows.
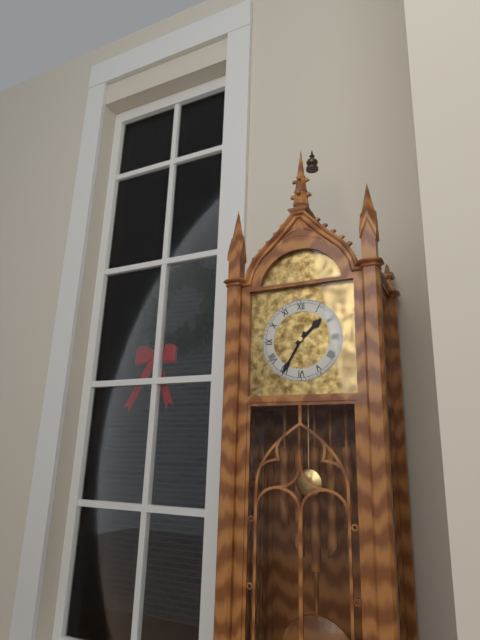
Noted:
**1:35**
